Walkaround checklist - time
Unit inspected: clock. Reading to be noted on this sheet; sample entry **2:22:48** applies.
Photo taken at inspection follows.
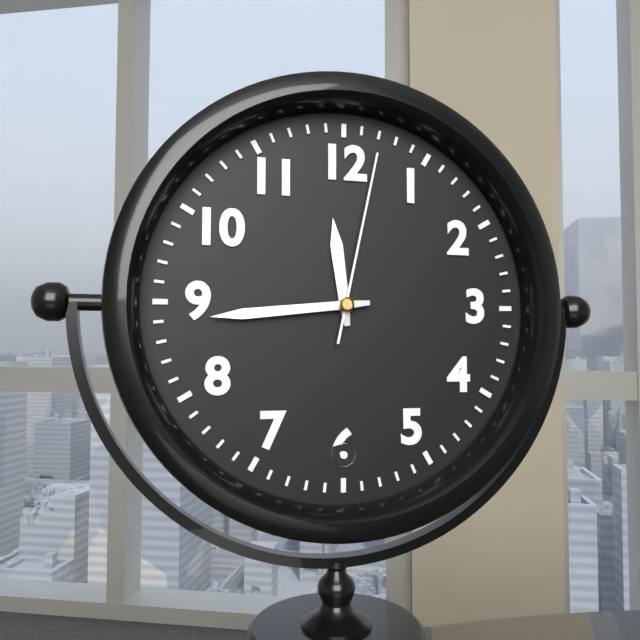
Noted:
**11:44:02**
